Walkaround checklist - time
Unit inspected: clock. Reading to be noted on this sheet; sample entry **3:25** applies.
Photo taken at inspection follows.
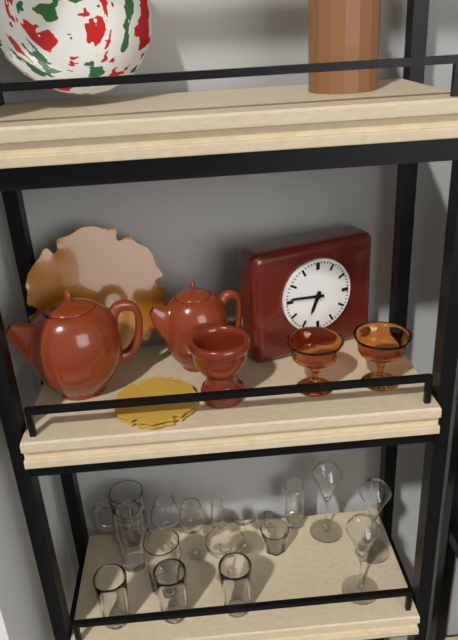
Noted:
**6:46**
